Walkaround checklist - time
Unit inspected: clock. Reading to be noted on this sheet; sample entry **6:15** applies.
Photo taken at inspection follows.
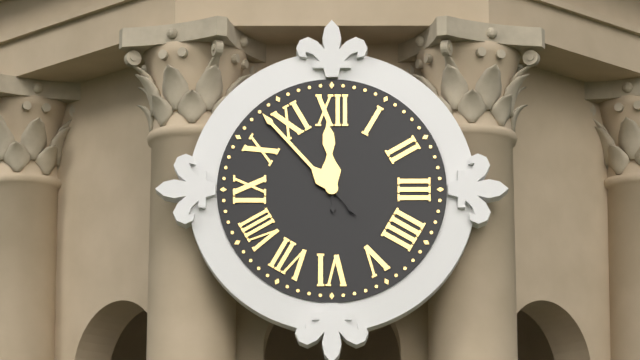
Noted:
**11:53**
